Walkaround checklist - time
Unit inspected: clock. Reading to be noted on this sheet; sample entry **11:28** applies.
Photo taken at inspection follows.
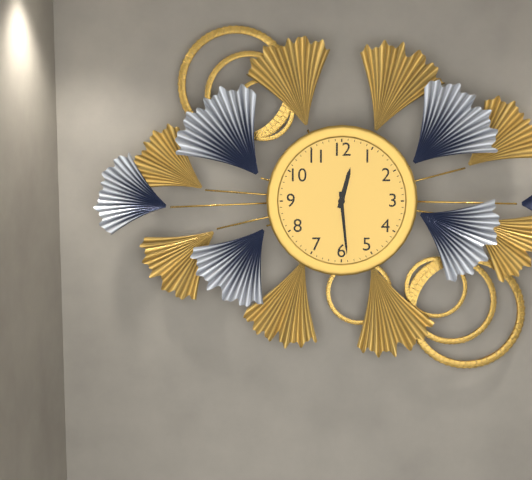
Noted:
**12:29**
